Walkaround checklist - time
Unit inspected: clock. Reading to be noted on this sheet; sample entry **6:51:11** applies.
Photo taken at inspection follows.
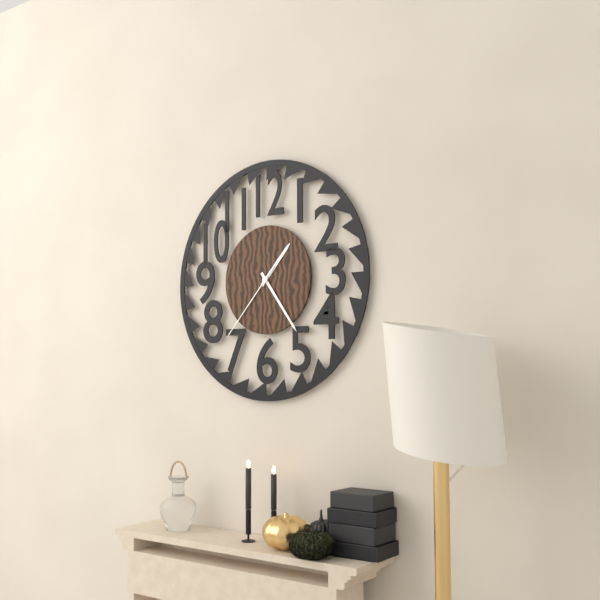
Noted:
**1:24:37**
